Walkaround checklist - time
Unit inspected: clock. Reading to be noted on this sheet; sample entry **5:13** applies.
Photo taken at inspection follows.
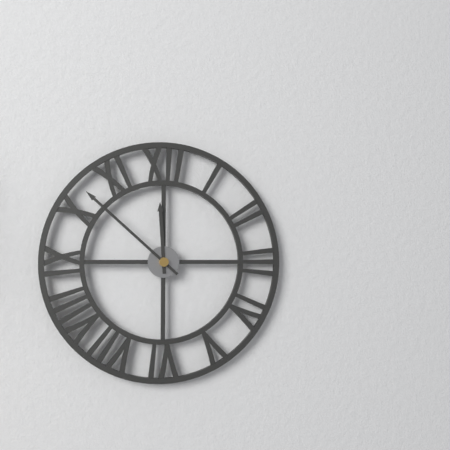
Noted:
**11:52**
